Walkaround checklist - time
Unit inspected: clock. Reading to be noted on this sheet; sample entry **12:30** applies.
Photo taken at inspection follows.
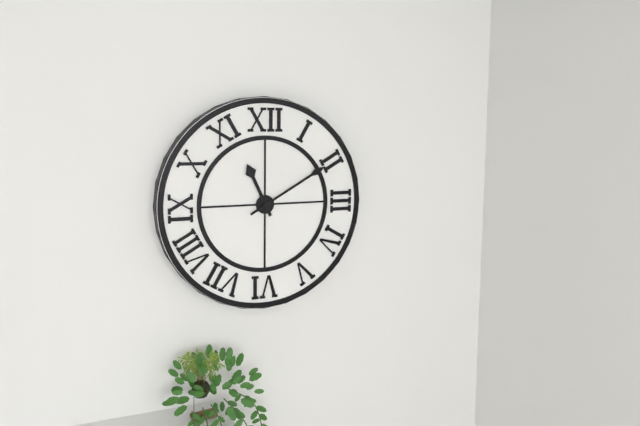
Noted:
**11:10**
